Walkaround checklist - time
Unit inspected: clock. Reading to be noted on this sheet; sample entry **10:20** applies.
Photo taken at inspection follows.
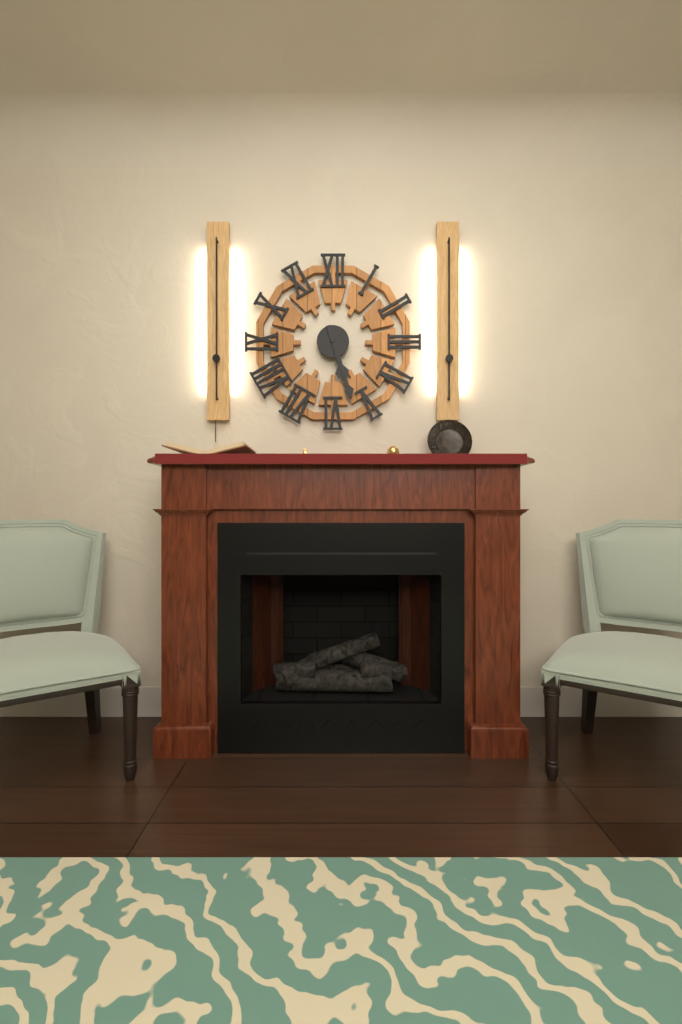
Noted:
**5:27**
